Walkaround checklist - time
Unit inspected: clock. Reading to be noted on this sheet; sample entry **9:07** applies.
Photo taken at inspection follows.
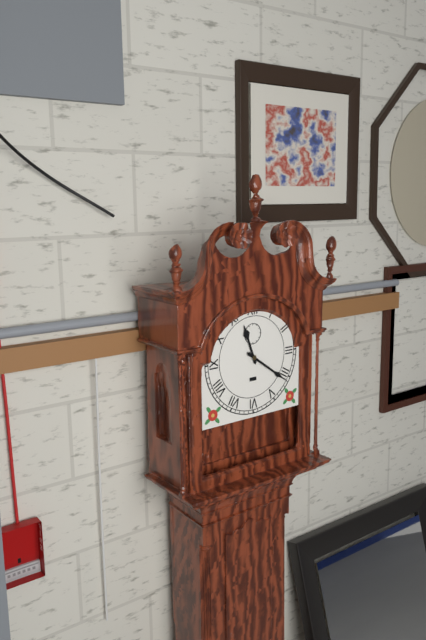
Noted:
**11:21**
